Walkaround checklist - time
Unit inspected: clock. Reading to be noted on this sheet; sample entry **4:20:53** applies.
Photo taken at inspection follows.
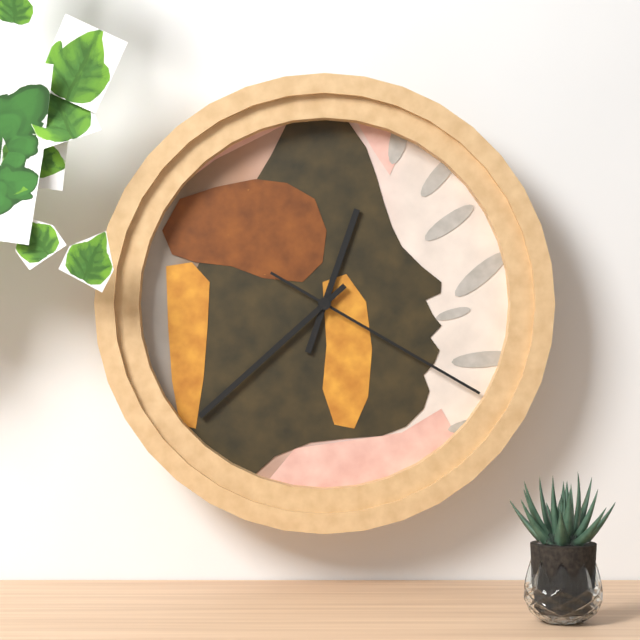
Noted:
**12:38:20**
